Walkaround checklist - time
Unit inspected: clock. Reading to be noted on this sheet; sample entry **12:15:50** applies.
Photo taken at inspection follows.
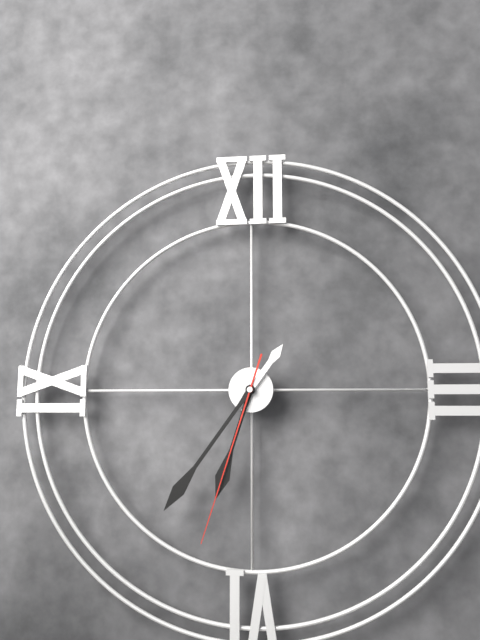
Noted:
**6:36:33**
